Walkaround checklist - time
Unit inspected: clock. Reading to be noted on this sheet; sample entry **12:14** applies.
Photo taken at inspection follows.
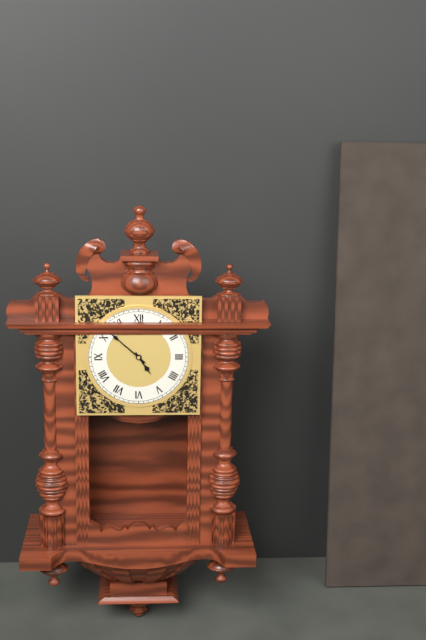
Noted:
**4:52**
